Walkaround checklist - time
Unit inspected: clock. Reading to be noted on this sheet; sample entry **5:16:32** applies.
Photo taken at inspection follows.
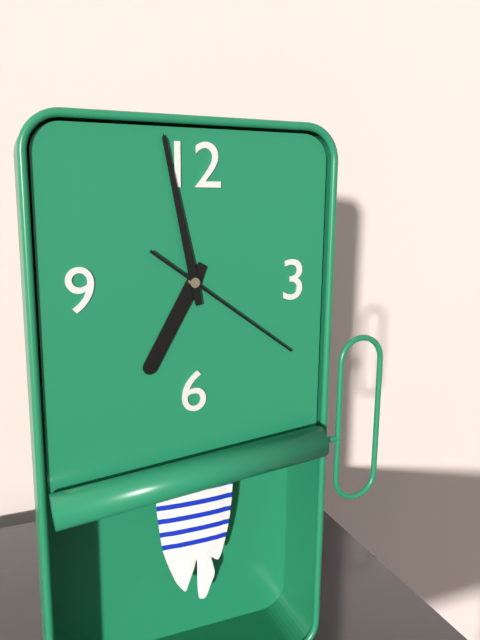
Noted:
**6:58:21**
